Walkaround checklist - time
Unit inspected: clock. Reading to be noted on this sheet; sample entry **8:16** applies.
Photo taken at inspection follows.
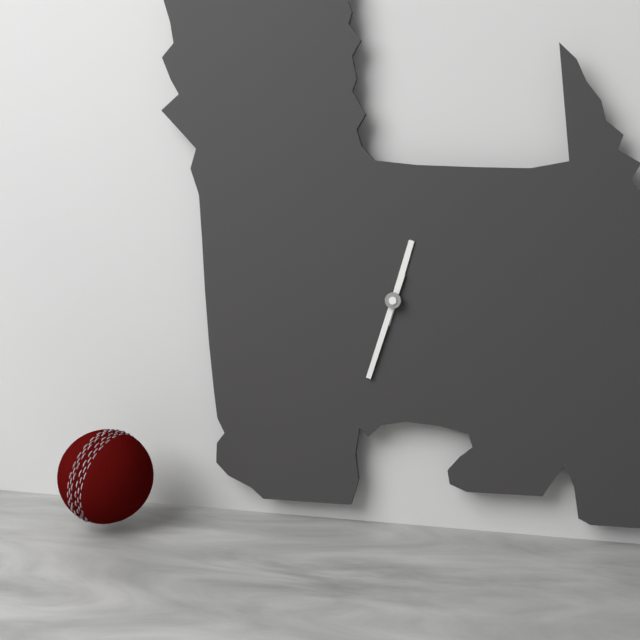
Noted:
**12:33**
